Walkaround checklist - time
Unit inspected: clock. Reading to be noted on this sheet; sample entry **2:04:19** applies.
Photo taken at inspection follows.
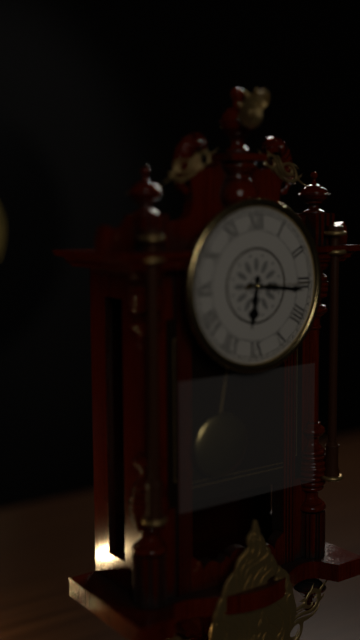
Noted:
**6:16:15**
